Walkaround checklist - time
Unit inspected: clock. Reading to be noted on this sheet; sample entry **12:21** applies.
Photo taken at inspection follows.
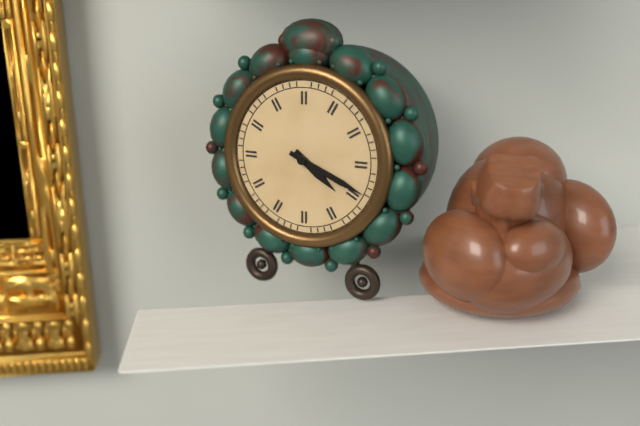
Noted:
**4:19**
